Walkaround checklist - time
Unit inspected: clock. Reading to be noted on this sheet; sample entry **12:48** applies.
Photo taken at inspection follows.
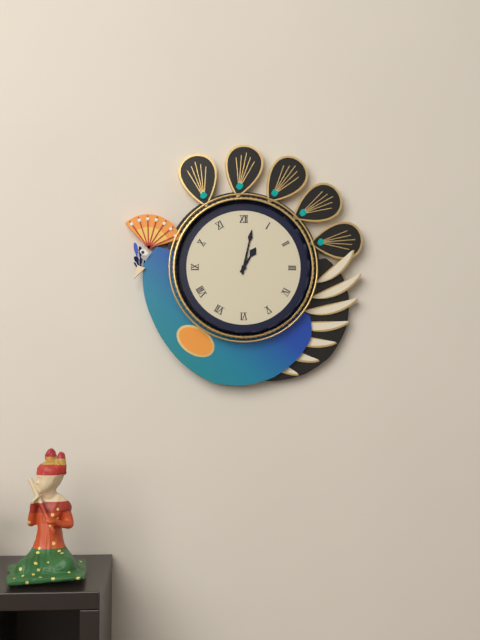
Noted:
**1:02**
